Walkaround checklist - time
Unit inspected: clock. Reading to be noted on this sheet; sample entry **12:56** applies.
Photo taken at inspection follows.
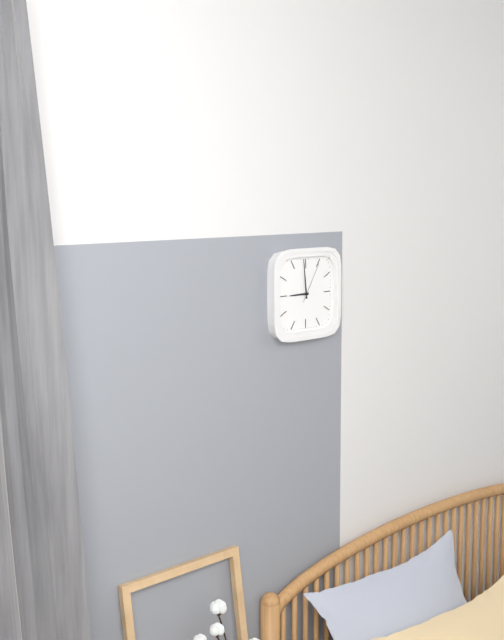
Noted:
**8:59**
